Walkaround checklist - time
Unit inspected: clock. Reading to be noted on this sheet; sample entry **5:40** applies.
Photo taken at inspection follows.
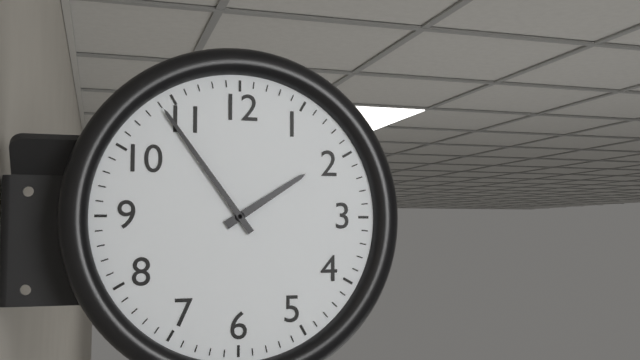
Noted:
**1:54**
